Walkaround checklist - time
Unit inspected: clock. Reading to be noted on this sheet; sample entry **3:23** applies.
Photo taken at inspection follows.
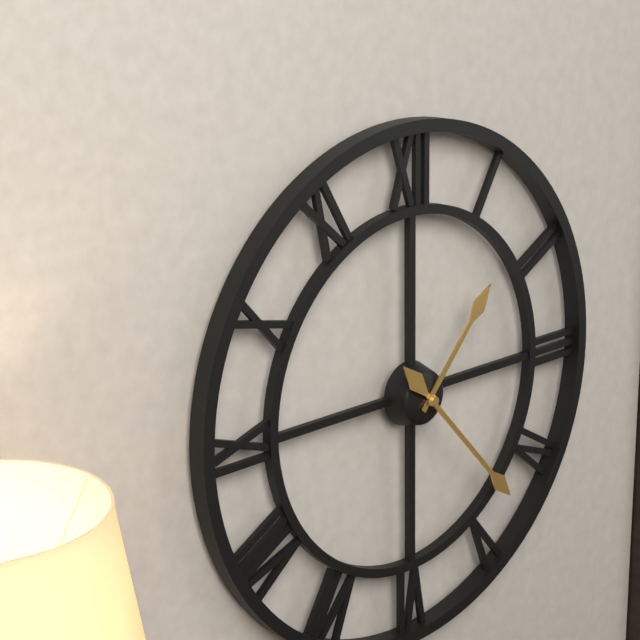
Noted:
**1:23**
